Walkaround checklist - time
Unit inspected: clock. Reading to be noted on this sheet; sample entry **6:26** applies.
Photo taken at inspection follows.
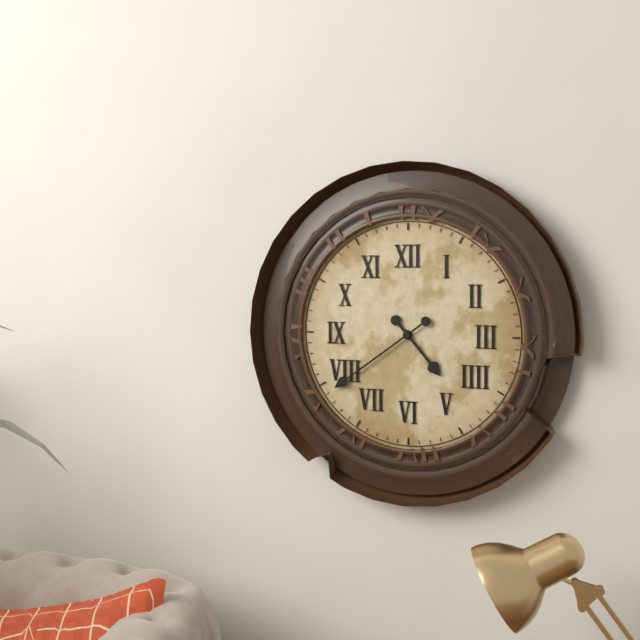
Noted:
**4:39**
